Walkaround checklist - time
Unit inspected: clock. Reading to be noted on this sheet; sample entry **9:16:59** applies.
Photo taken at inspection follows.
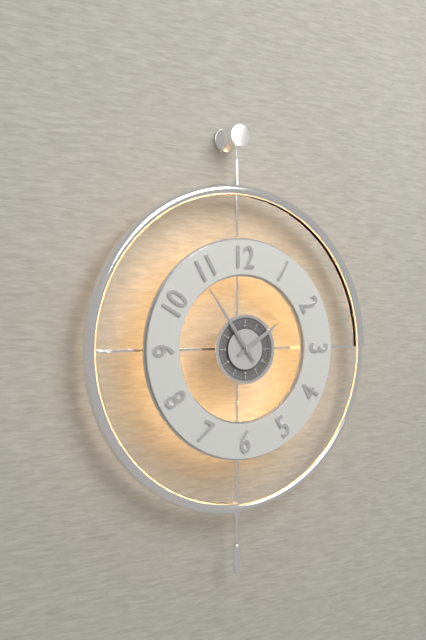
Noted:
**1:54:54**
